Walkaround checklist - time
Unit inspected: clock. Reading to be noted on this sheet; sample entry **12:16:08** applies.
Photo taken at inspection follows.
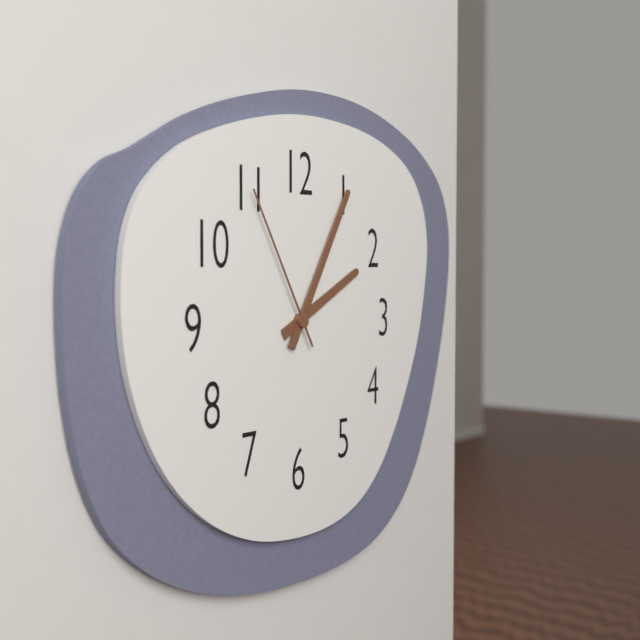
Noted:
**2:05:55**
